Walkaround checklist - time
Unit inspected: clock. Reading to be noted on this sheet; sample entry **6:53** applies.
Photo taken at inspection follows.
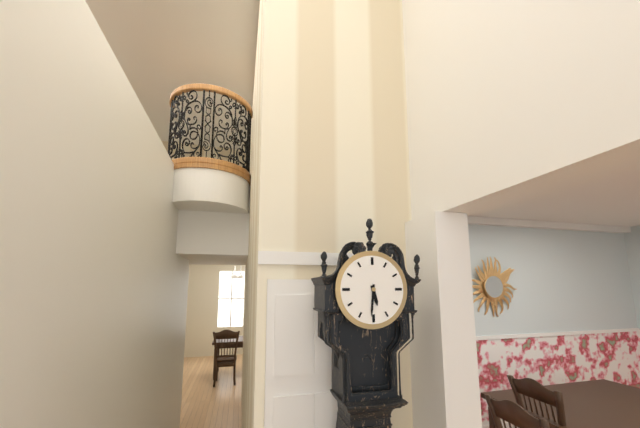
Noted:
**5:31**
